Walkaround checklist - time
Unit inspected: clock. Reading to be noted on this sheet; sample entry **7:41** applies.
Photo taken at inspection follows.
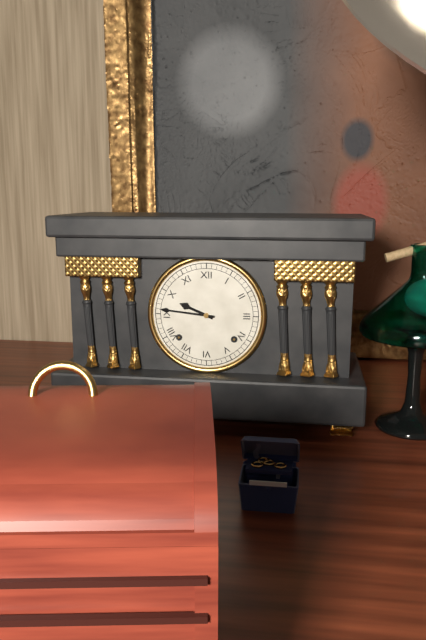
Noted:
**9:46**
